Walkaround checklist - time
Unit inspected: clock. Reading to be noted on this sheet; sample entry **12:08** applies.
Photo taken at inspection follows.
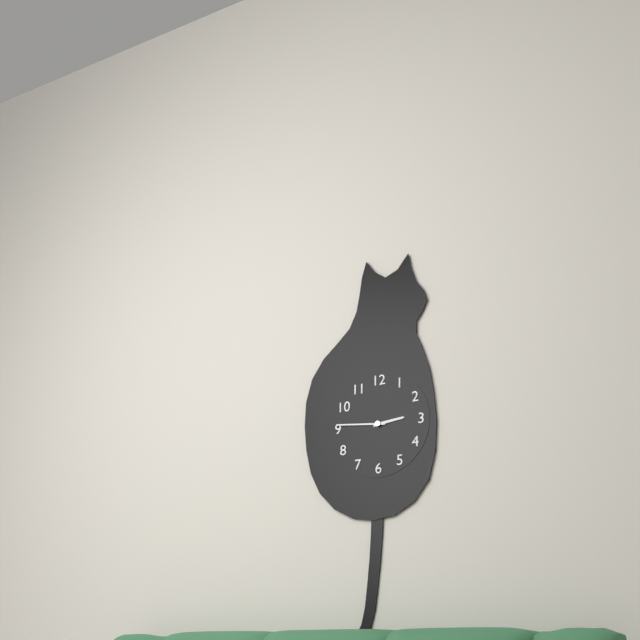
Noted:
**2:46**
